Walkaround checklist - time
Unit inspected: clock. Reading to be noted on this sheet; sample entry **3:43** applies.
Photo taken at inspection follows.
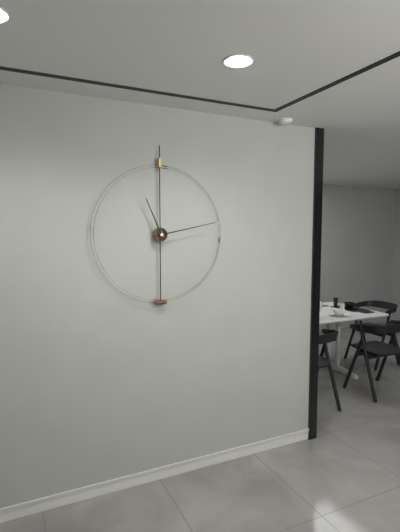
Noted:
**11:13**
